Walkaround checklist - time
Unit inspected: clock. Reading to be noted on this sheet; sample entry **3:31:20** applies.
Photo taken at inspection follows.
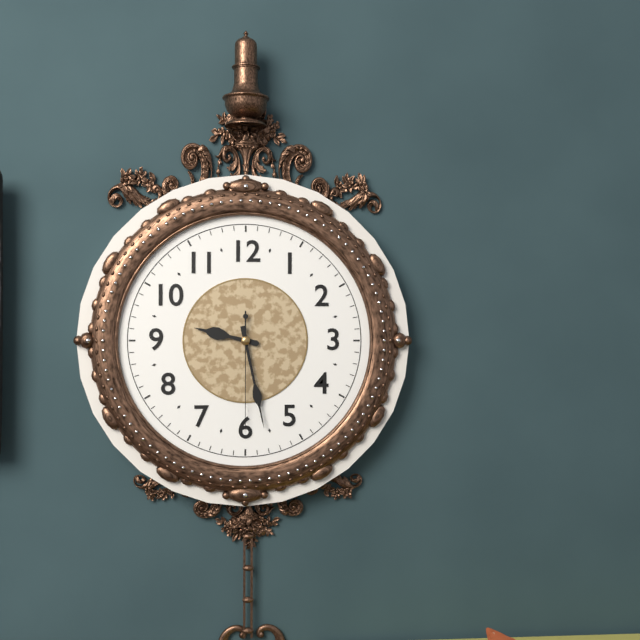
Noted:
**9:28:30**
